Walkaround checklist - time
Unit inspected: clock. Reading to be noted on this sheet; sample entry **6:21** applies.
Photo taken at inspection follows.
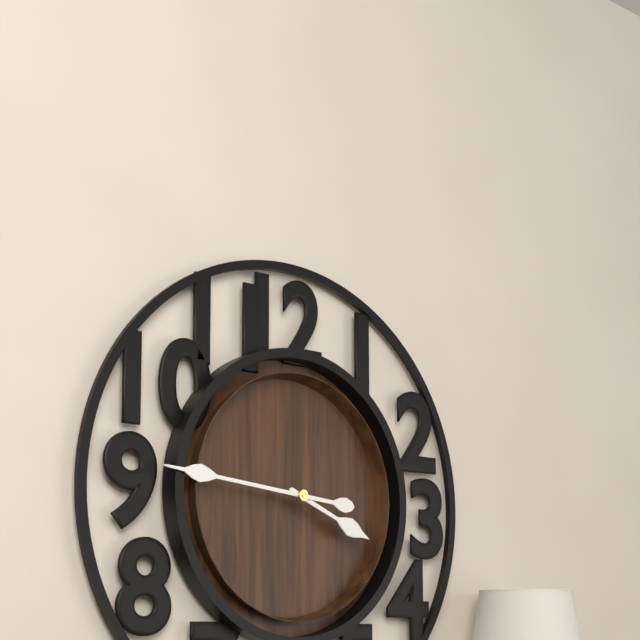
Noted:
**3:46**
